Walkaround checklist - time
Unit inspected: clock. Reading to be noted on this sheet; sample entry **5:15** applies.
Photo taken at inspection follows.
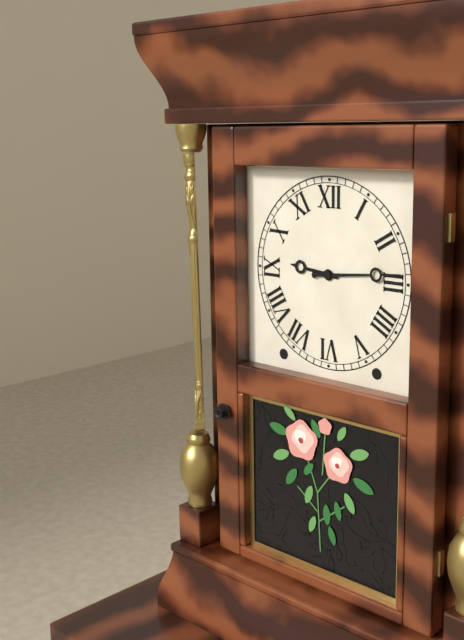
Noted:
**9:14**
